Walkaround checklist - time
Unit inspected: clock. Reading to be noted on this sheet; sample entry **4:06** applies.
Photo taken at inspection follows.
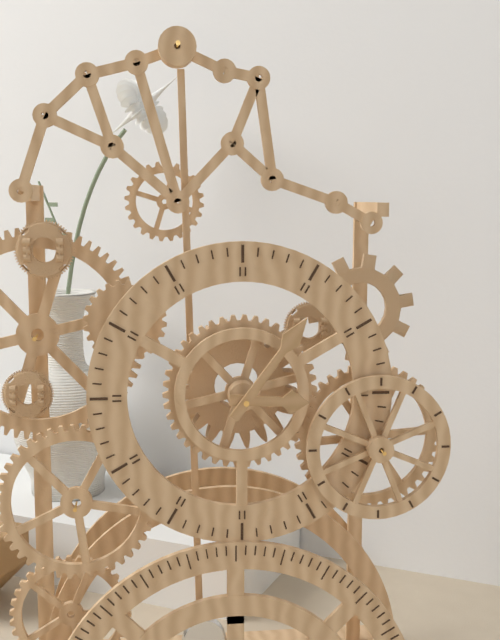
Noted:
**3:06**
